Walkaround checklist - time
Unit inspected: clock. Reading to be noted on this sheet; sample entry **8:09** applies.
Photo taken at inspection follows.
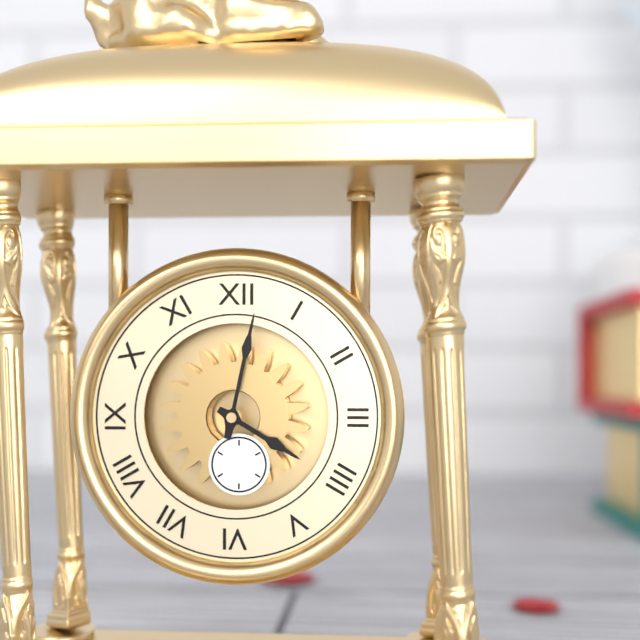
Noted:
**4:02**
